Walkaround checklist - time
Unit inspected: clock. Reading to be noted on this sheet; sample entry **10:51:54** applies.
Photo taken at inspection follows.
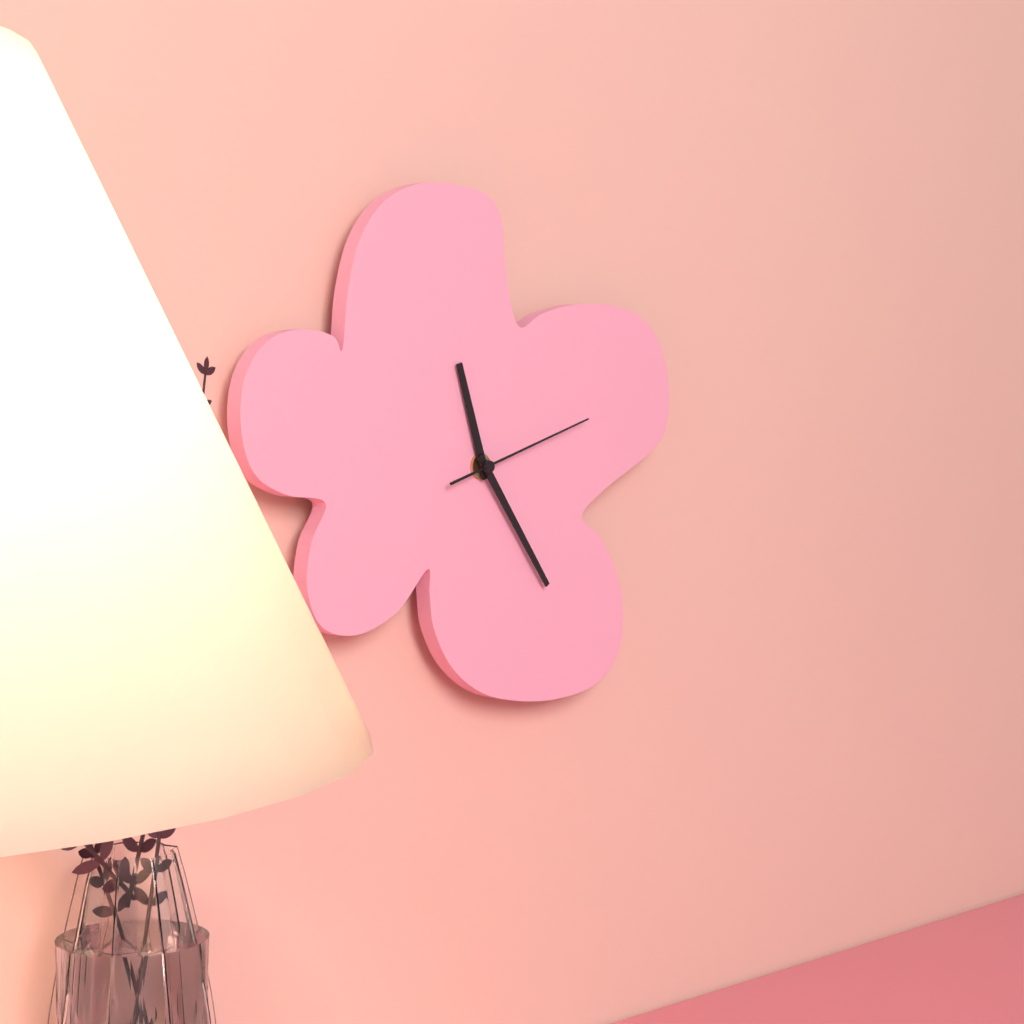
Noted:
**11:24:12**
